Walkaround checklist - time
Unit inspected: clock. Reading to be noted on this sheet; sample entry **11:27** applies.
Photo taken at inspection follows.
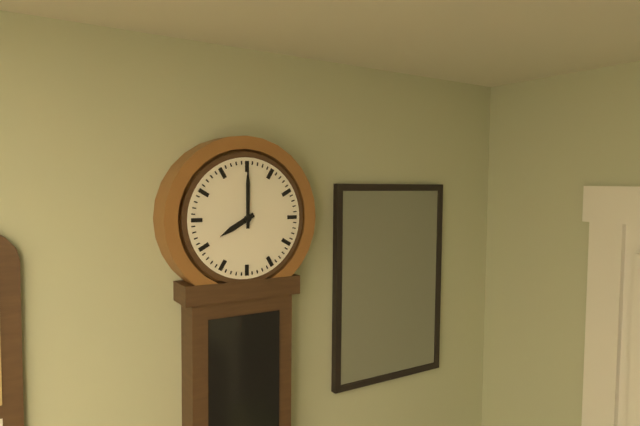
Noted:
**8:00**
